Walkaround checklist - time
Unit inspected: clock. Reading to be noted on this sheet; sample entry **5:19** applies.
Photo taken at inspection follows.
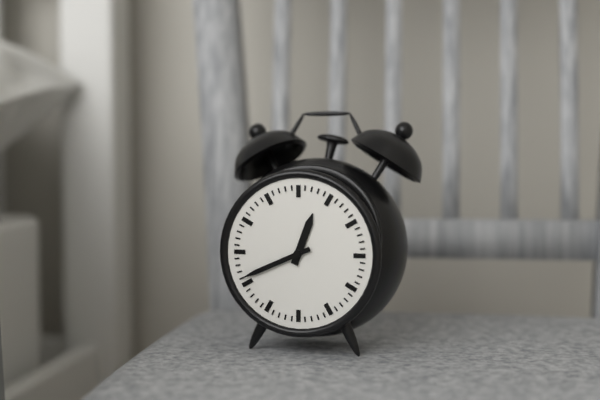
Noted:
**12:41**
